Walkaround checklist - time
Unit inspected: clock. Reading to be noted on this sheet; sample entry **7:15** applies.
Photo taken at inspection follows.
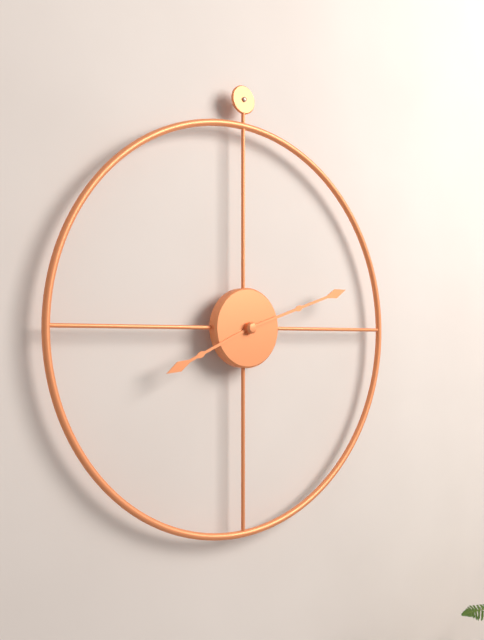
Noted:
**8:12**
